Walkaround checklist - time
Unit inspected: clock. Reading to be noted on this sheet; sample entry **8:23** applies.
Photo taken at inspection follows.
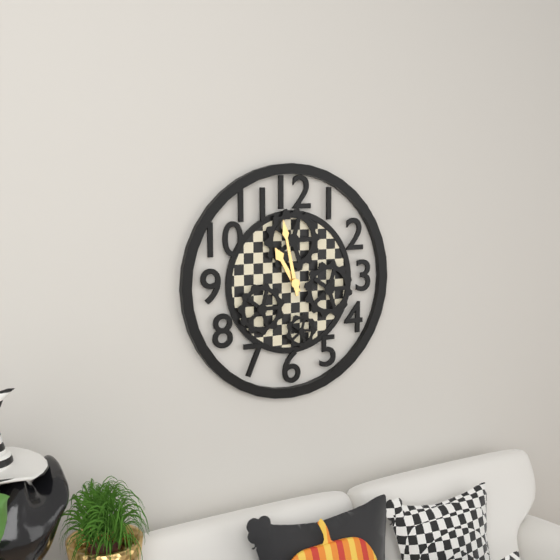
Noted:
**10:58**
